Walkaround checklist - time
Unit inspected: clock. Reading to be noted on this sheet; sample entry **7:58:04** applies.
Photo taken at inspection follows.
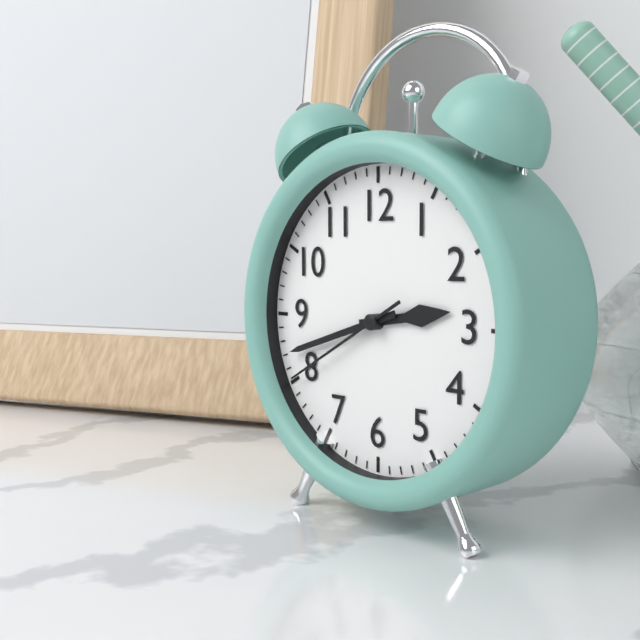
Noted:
**2:42:40**
